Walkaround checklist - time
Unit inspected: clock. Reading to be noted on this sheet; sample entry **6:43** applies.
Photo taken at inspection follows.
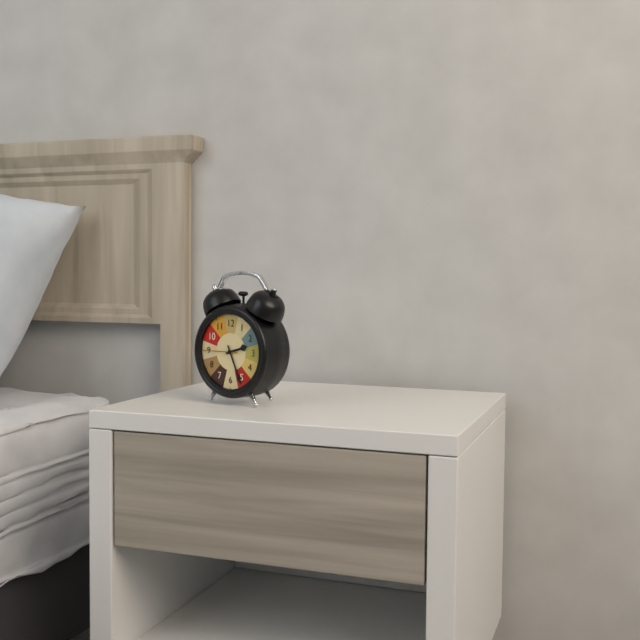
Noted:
**2:26**
